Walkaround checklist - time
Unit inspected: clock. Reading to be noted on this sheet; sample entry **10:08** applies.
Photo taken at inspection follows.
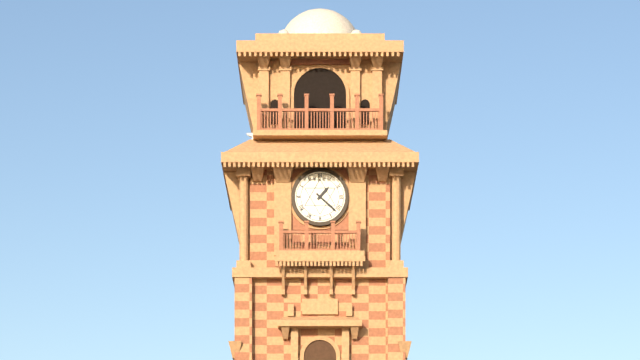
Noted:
**1:22**
